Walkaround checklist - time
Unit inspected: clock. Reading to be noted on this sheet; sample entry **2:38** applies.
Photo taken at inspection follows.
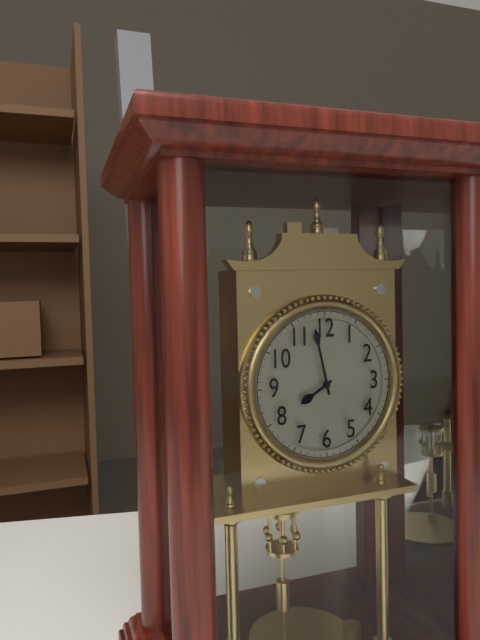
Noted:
**7:58**
